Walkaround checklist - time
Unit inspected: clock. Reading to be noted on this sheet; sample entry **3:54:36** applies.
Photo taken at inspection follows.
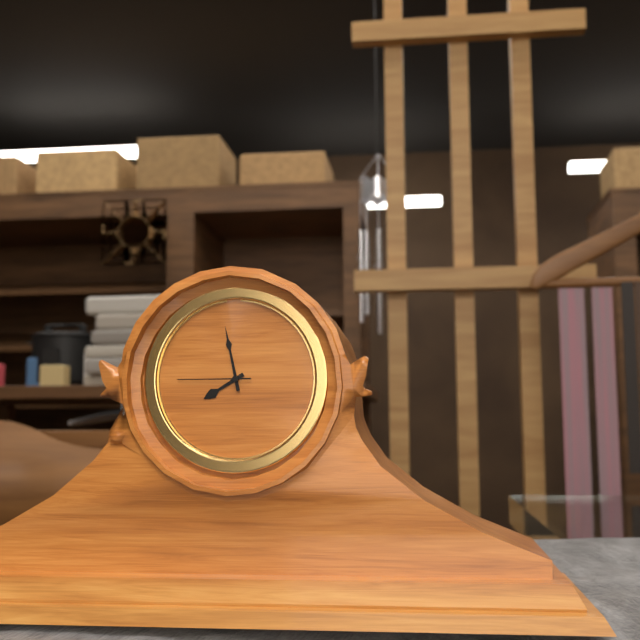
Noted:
**7:58:45**
